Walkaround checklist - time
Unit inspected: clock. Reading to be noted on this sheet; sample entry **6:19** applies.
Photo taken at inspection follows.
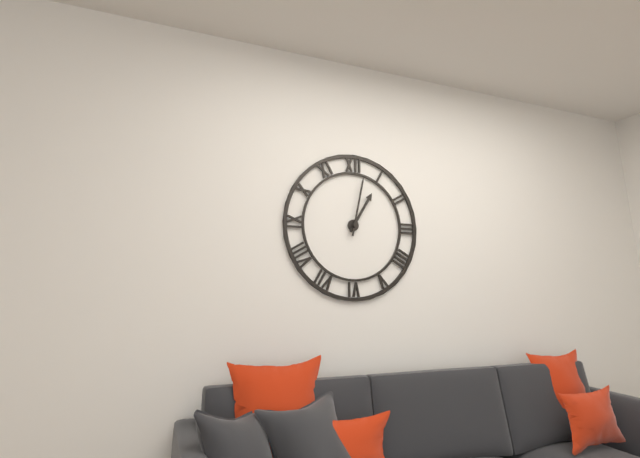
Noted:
**1:02**
